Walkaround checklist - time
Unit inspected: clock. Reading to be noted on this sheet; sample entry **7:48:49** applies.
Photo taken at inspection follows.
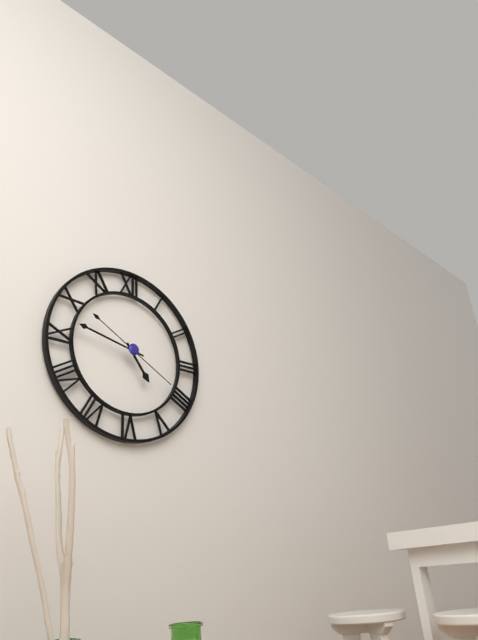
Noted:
**4:47:20**
